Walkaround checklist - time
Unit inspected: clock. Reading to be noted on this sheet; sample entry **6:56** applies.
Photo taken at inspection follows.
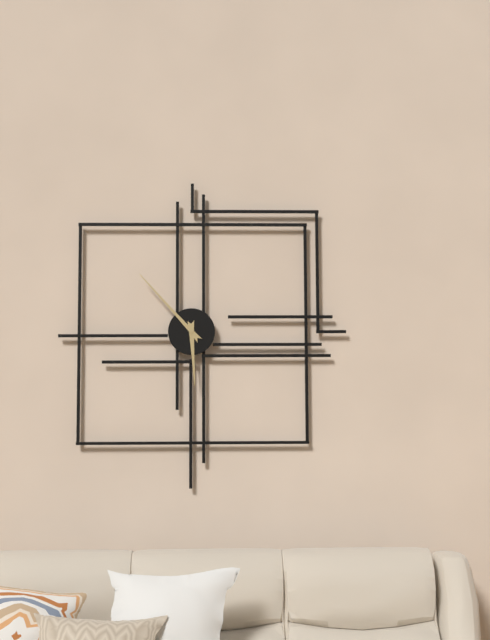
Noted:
**5:53**
